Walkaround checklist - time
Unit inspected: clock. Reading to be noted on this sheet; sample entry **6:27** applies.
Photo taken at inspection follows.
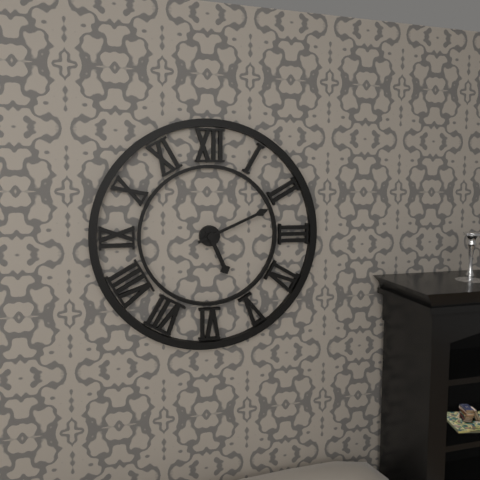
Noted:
**5:11**
